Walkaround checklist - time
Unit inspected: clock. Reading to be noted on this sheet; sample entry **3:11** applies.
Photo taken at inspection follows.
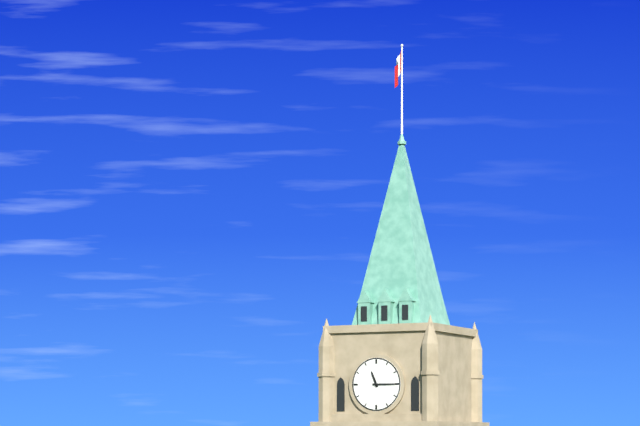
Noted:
**11:15**
